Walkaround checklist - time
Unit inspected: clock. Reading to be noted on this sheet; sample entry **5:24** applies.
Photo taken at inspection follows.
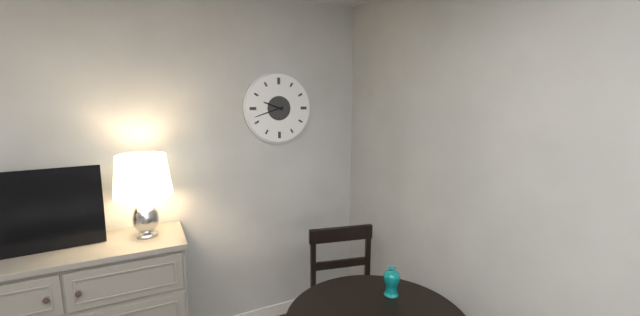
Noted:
**9:42**
